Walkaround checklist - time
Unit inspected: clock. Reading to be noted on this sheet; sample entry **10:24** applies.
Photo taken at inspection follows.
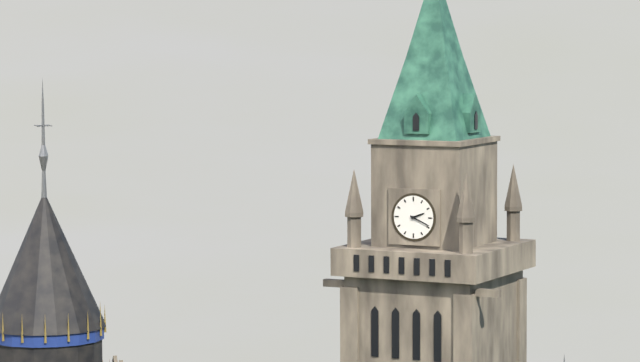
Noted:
**2:19**
